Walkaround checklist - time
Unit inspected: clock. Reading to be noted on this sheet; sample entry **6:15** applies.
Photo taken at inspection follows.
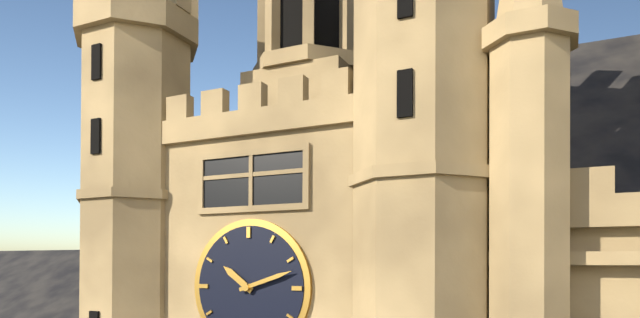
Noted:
**10:12**
